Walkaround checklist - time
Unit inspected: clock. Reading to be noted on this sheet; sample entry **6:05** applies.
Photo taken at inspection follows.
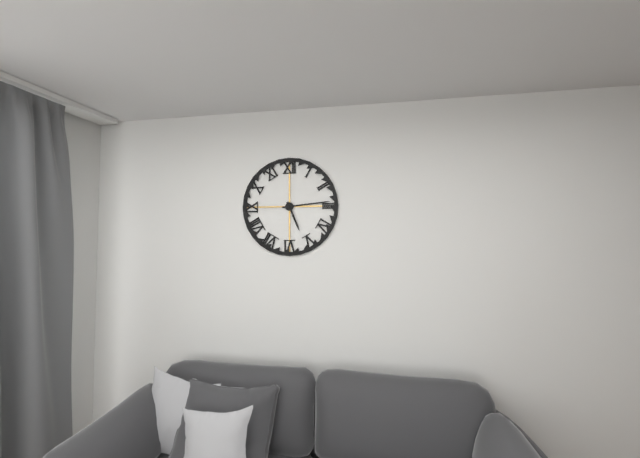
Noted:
**5:14**
